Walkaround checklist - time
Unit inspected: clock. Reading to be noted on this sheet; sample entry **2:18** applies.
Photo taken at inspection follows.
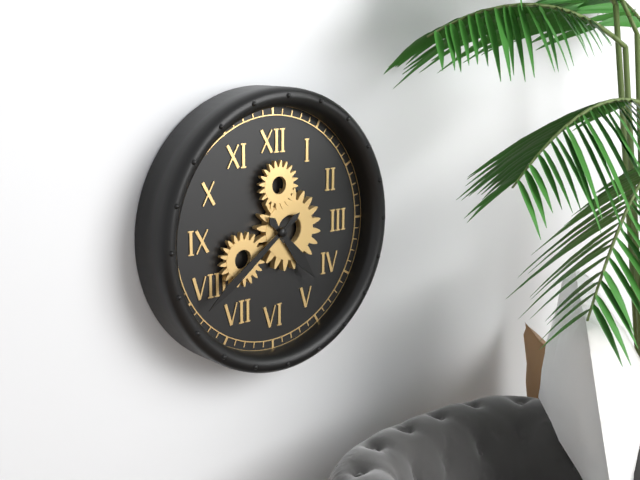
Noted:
**4:39**
